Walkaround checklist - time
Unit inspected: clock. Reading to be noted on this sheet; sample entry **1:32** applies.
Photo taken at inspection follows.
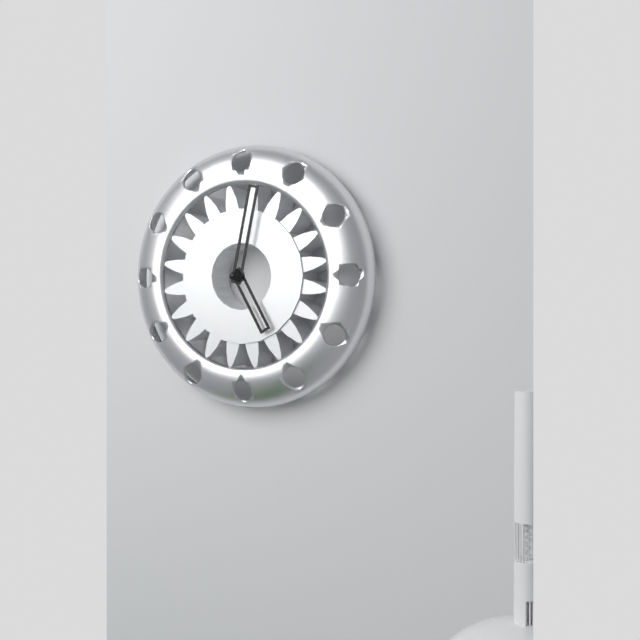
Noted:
**5:02**
